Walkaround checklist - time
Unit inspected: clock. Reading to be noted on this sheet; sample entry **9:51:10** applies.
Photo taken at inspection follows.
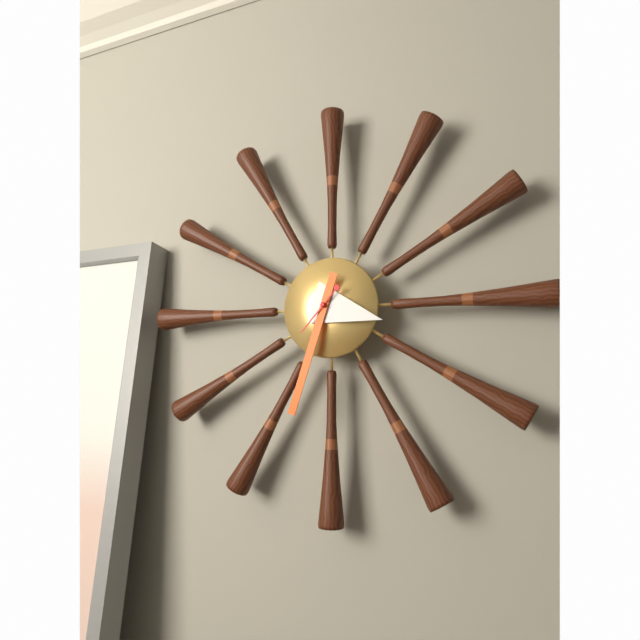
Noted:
**3:33:37**
